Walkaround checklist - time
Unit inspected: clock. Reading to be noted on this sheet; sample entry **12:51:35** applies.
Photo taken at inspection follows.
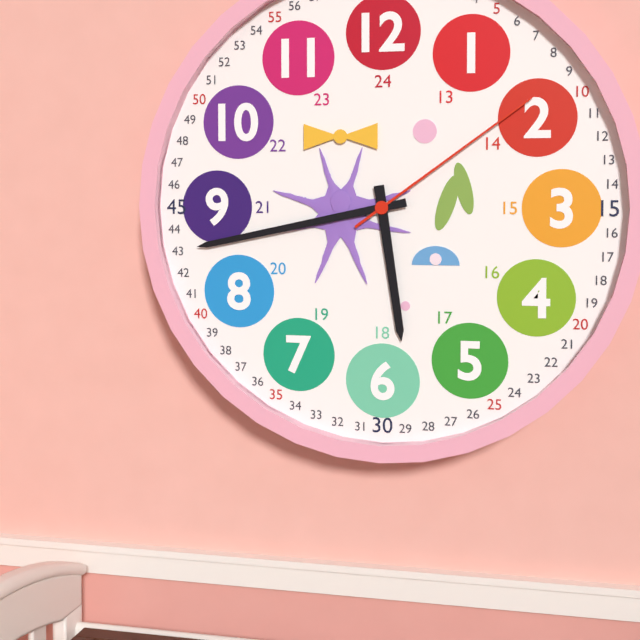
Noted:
**5:43:09**
